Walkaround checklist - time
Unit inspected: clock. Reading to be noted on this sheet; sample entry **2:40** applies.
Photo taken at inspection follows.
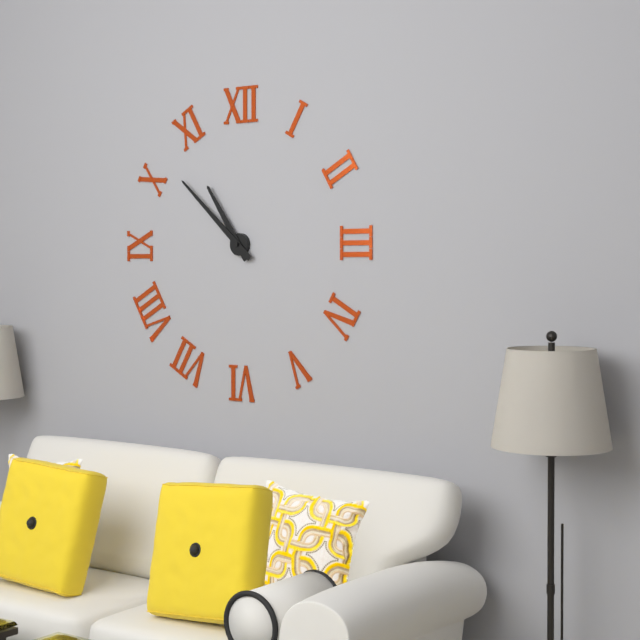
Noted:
**10:52**
